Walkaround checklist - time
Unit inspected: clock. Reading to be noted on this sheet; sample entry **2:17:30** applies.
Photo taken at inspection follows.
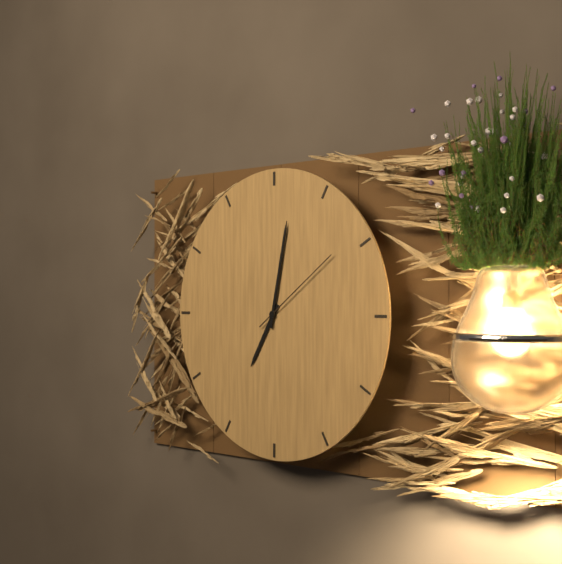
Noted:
**7:02:09**
